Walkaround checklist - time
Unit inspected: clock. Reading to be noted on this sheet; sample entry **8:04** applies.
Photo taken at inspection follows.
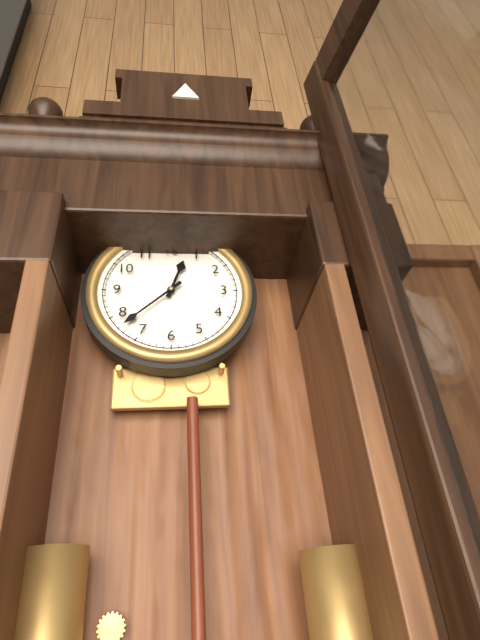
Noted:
**12:38**
